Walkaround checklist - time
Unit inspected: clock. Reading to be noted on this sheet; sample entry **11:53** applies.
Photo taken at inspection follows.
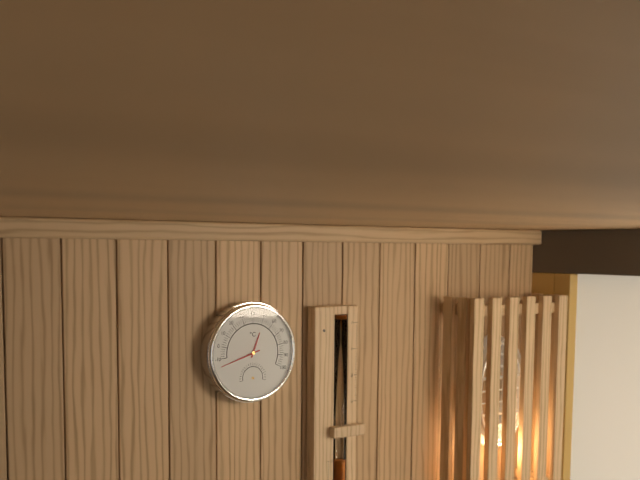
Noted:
**12:42**
